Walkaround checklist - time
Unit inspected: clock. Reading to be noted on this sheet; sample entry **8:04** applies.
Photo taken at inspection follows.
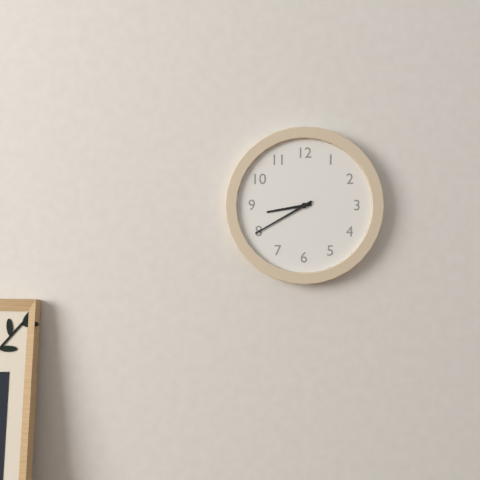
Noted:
**8:40**
